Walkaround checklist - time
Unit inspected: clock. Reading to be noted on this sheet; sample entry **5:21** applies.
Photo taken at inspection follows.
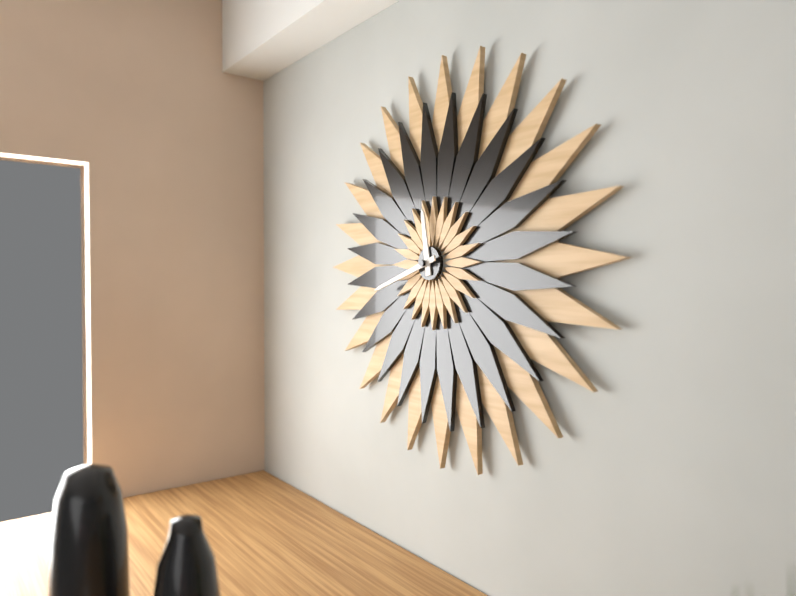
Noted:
**11:42**
